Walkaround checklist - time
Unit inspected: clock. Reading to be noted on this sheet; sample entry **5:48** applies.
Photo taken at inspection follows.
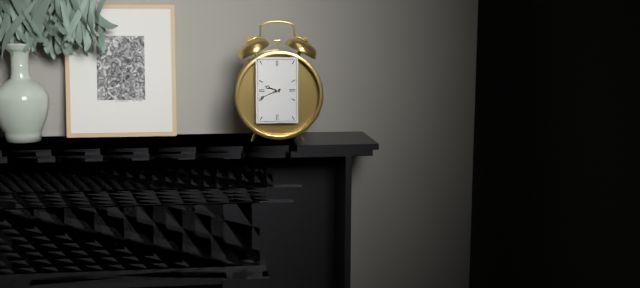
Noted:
**9:41**
